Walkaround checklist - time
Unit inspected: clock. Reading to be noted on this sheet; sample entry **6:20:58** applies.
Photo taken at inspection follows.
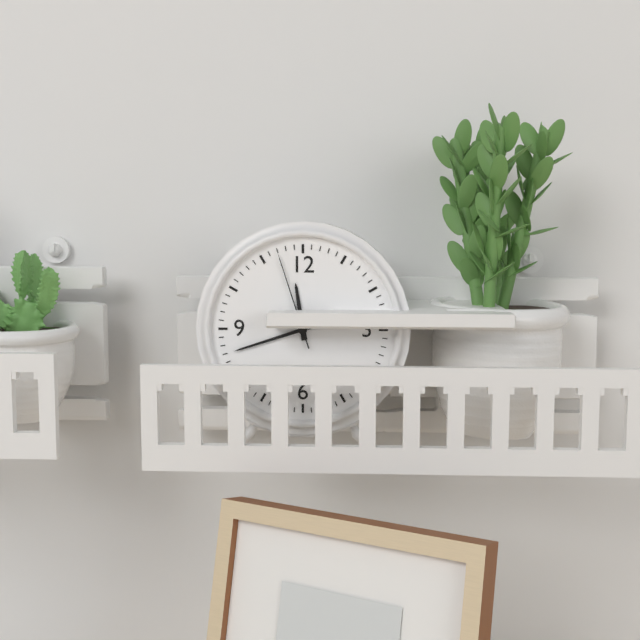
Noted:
**11:42:57**
